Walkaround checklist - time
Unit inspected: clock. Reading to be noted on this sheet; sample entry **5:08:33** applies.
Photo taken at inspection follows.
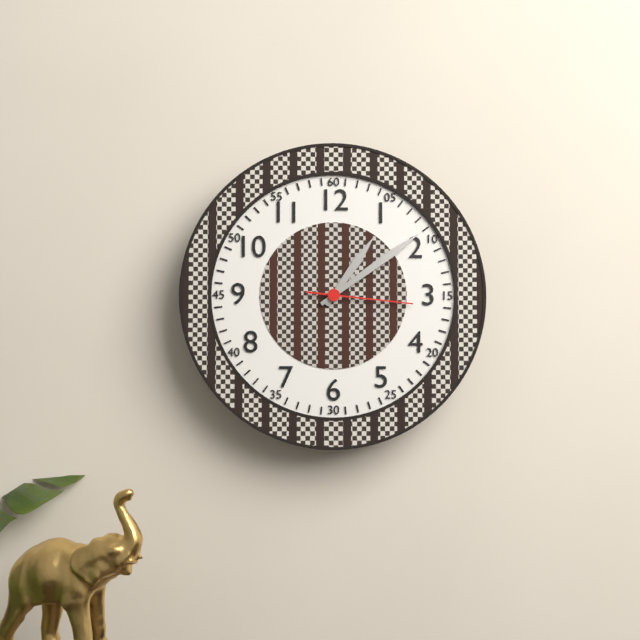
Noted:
**1:09:16**
